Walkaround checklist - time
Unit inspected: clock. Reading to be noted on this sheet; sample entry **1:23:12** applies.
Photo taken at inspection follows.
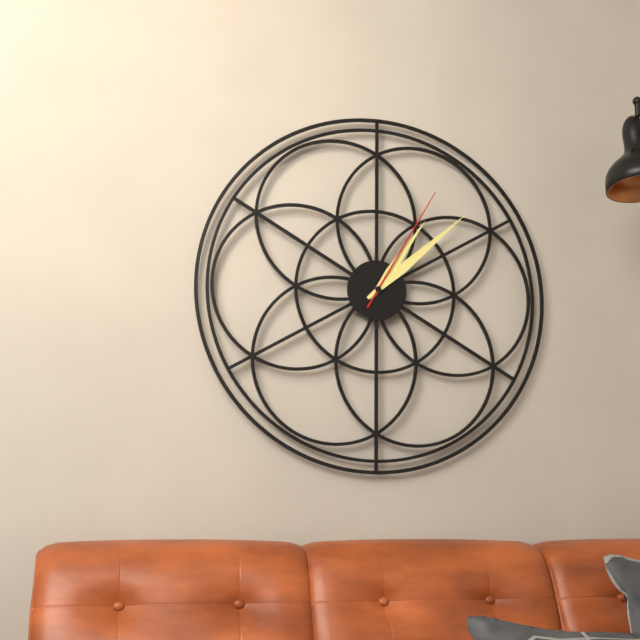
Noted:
**1:08:05**
